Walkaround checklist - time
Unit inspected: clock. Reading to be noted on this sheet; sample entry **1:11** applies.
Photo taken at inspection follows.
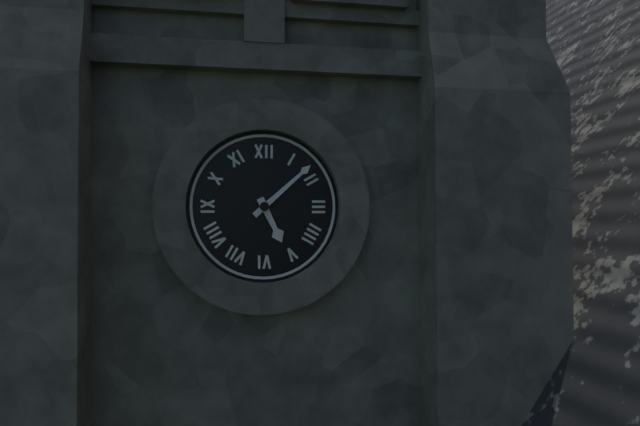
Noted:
**5:08**
